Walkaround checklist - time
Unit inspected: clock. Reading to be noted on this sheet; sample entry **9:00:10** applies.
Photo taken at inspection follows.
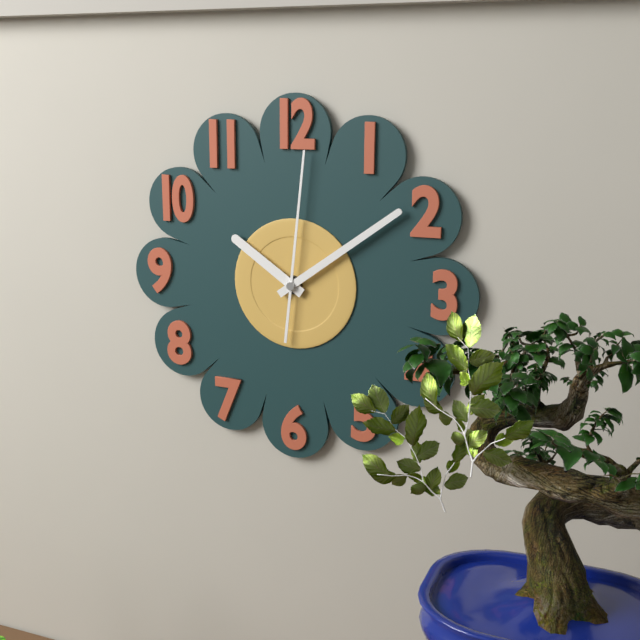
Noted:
**10:09:01**
